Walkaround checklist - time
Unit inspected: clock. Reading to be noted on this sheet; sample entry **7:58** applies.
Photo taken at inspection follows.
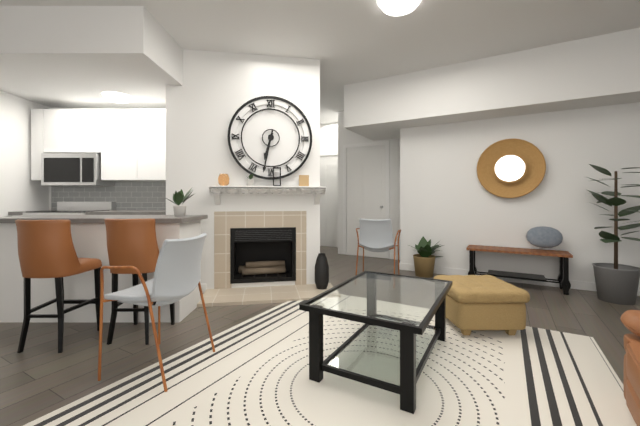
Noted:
**6:32**
